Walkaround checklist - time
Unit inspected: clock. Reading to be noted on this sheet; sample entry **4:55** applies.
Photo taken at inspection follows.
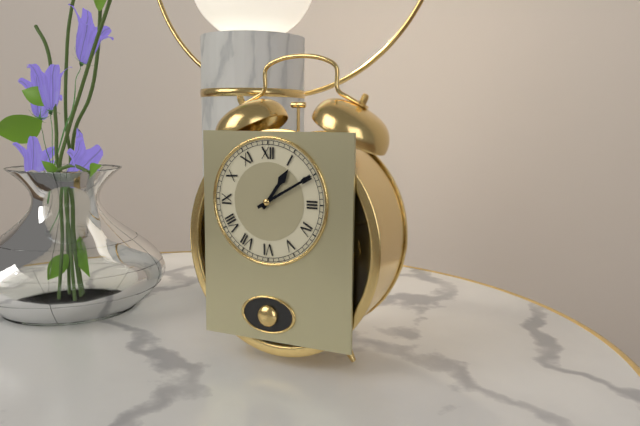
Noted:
**1:10**
